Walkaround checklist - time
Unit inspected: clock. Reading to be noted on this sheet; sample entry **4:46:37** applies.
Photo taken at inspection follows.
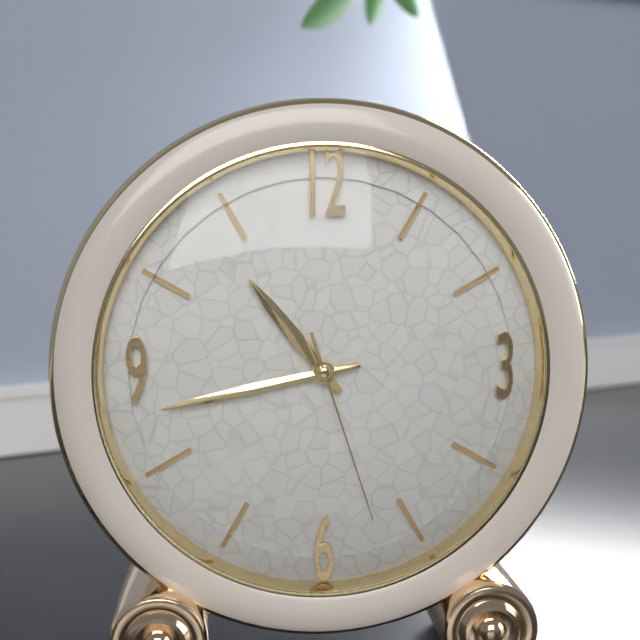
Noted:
**10:43:27**
